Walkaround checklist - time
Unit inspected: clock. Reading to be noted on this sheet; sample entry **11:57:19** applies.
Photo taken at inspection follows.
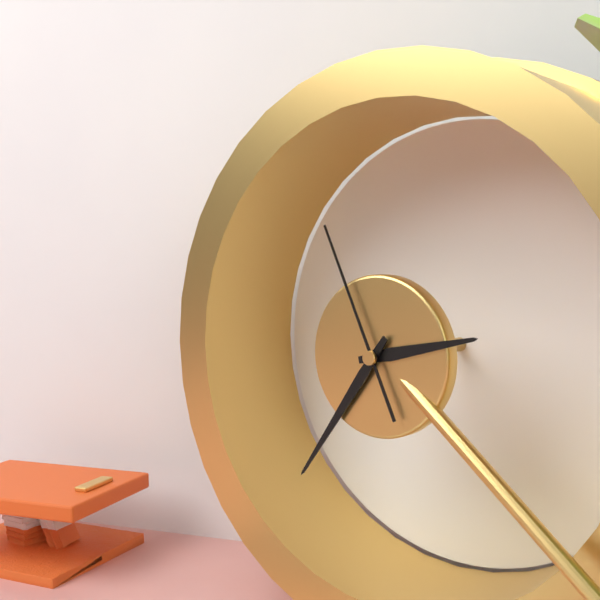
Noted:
**2:36:56**
